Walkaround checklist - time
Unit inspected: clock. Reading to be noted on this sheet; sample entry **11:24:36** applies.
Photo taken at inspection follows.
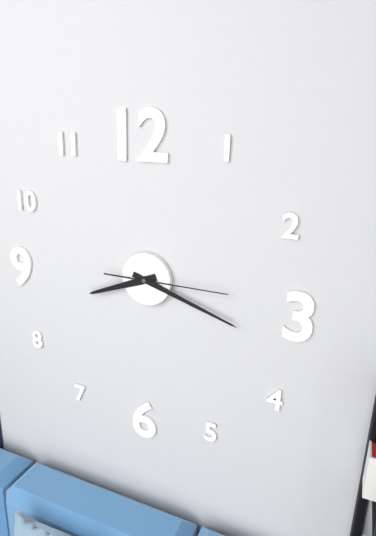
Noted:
**8:18:15**
